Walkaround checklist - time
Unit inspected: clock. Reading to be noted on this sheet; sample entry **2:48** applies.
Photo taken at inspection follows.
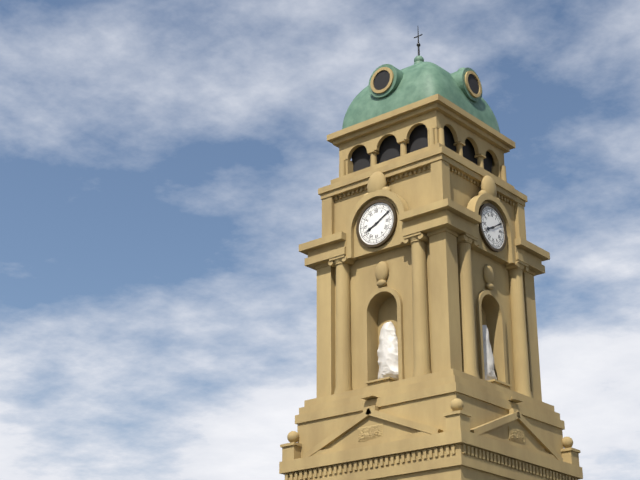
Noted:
**8:10**
